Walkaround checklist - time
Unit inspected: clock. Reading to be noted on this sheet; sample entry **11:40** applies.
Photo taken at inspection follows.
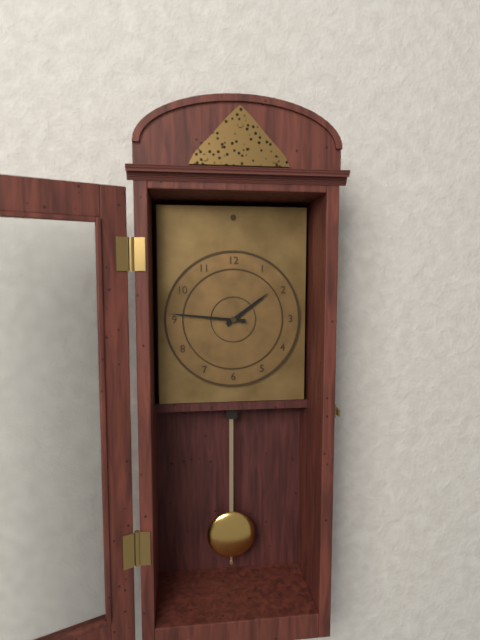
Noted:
**1:46**
